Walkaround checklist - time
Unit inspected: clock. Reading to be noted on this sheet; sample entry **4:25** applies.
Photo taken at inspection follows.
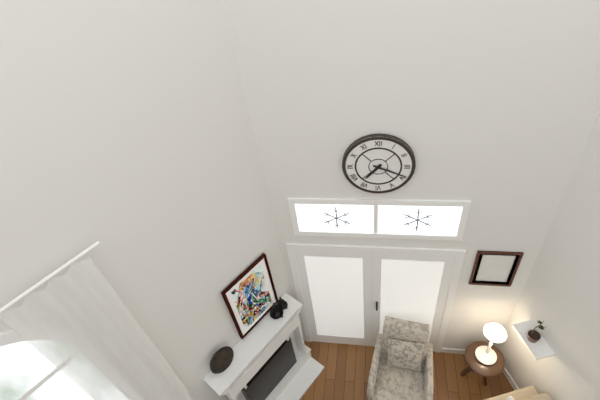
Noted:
**7:19**
